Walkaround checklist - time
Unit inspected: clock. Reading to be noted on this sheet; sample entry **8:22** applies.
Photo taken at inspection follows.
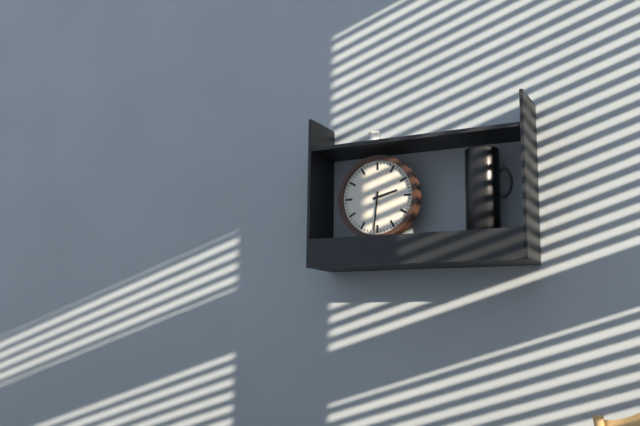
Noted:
**2:31**
